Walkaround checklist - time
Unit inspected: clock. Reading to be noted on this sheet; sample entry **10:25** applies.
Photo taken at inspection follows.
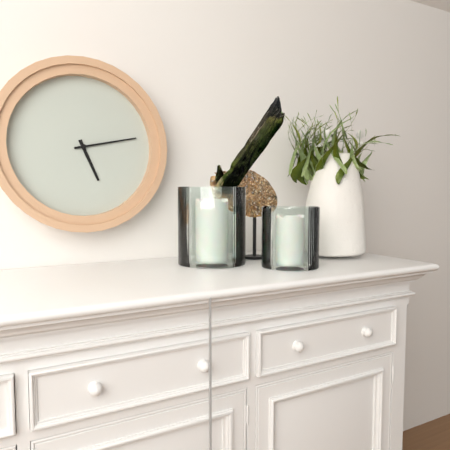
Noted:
**5:13**
